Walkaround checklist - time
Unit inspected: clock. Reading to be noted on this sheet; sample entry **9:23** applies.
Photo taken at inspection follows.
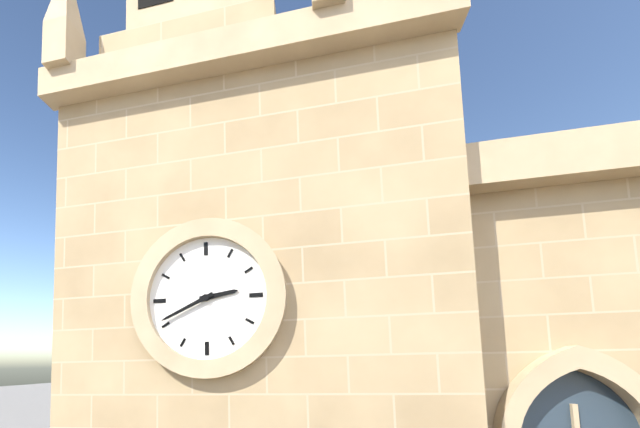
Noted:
**2:41**
